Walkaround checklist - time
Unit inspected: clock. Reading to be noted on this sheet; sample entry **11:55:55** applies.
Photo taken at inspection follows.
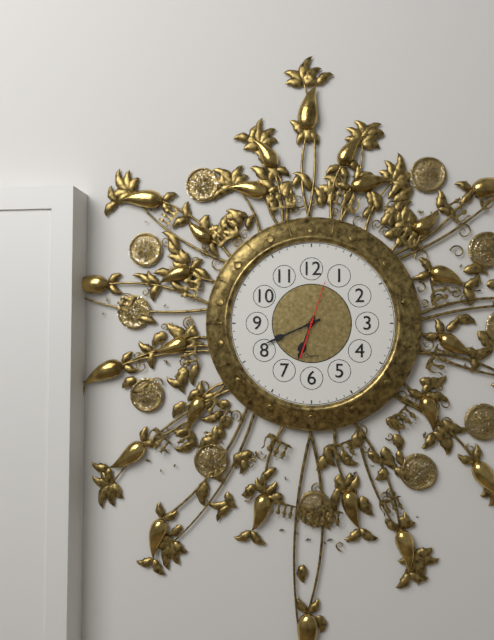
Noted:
**6:41:03**
